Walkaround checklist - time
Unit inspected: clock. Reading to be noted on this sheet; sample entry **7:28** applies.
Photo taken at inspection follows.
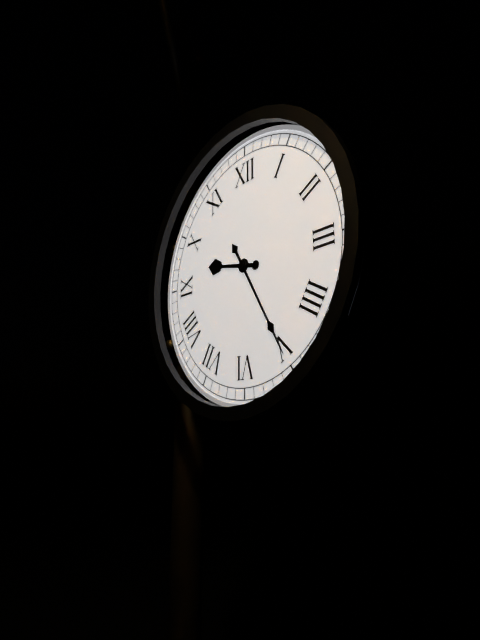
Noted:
**9:25**
